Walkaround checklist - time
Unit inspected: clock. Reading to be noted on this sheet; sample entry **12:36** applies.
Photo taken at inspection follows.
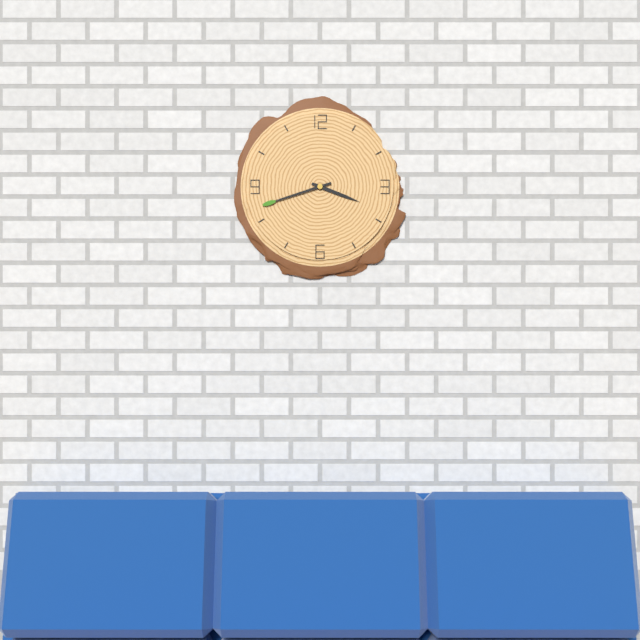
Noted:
**3:42**
